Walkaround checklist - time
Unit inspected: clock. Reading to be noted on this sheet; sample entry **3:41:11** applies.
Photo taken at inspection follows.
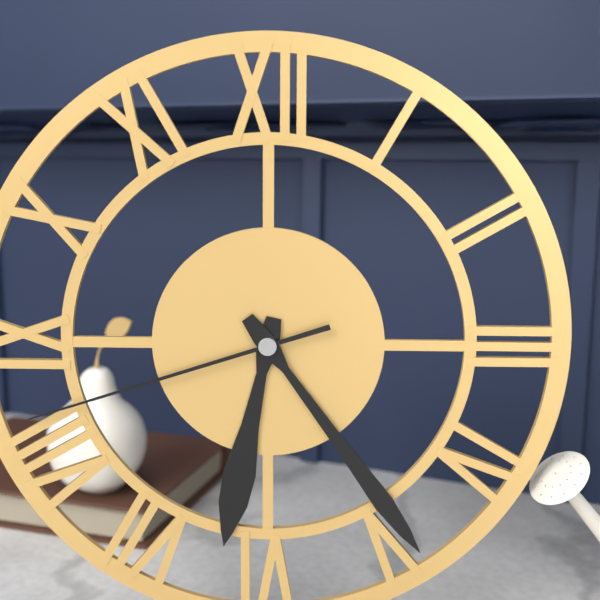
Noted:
**6:24:42**
